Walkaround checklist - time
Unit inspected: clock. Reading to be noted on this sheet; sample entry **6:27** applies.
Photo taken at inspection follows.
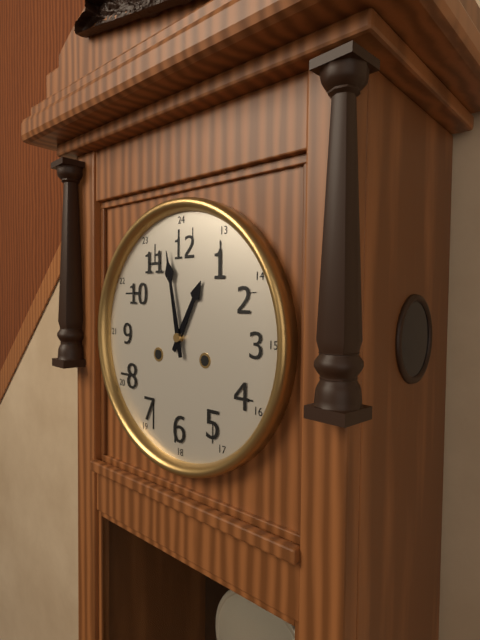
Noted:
**12:58**
